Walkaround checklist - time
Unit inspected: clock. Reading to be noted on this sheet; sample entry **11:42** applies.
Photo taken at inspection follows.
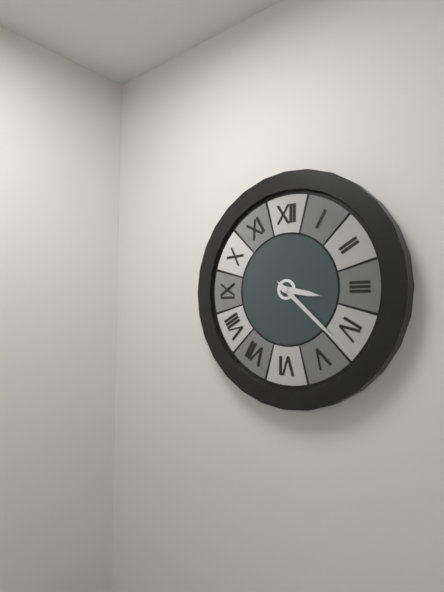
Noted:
**3:22**
